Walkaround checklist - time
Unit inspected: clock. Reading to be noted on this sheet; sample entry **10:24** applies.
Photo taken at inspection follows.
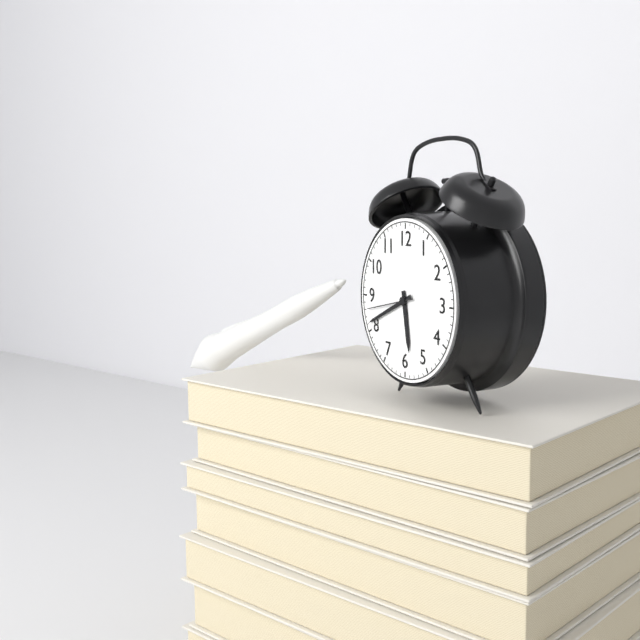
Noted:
**5:41**
